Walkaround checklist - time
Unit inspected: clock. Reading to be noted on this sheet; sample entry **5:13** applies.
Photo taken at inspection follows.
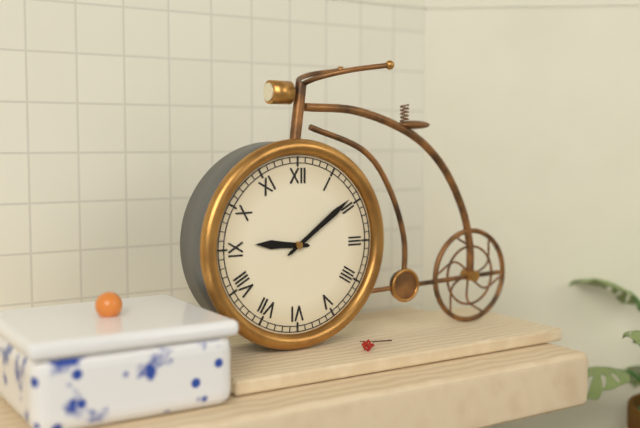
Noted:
**9:09**
